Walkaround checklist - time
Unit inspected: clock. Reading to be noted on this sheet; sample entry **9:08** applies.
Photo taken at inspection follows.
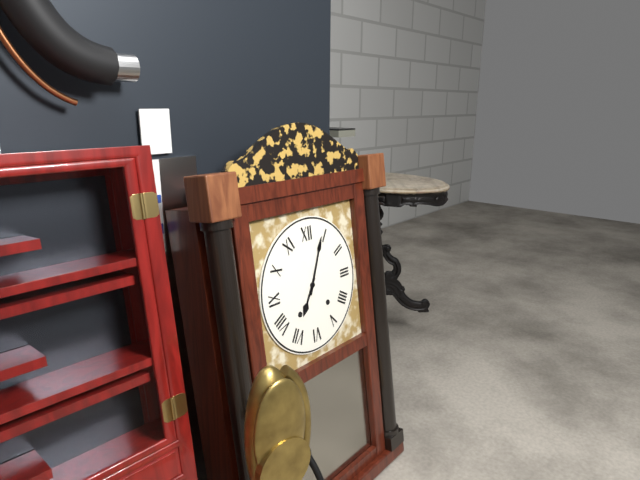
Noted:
**7:04**
